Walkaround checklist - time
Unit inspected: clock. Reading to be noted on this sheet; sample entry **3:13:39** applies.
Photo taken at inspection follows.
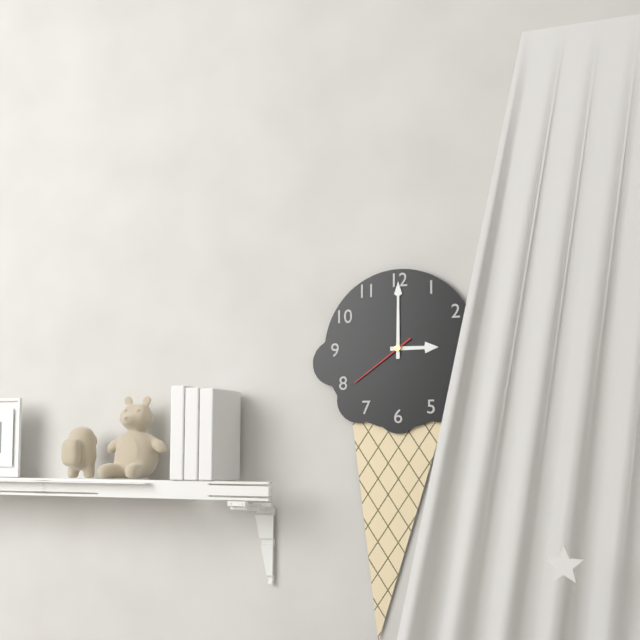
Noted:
**3:00:39**
